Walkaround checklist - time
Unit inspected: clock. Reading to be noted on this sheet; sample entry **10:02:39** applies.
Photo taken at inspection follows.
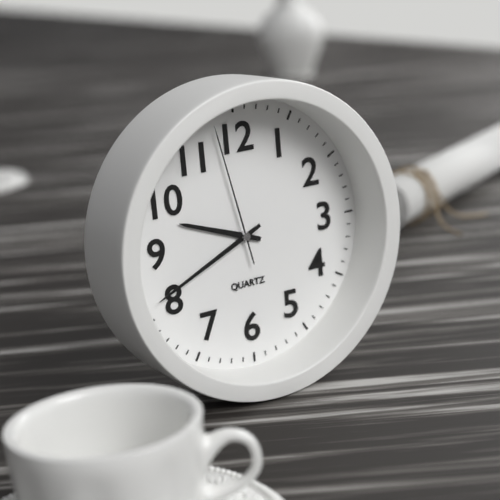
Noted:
**9:41:58**
